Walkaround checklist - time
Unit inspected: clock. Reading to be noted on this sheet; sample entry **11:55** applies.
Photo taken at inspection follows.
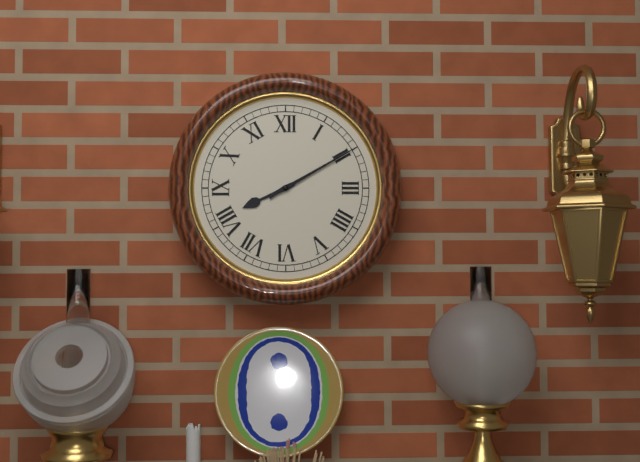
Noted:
**8:10**
